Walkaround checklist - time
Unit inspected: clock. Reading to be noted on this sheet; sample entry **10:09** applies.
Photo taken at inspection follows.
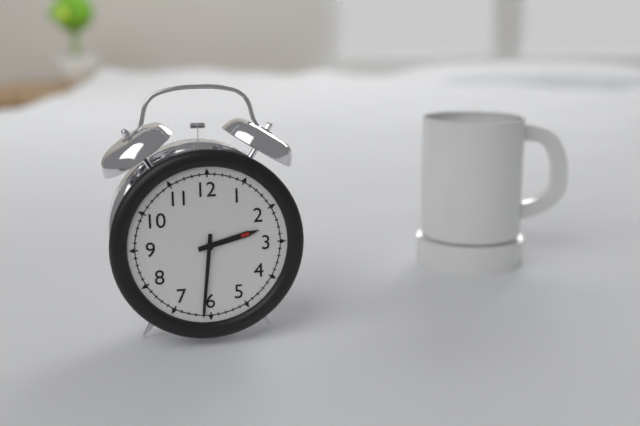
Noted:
**2:31**
